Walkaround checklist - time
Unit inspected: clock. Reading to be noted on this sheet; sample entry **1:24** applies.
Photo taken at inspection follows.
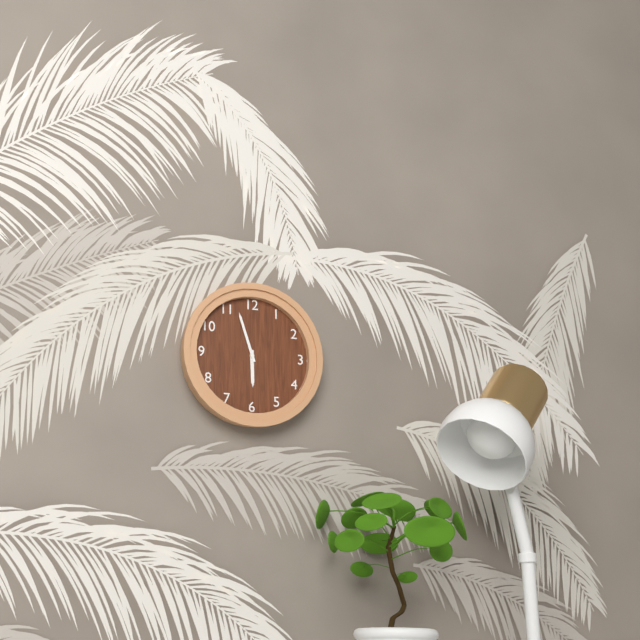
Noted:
**5:57**
